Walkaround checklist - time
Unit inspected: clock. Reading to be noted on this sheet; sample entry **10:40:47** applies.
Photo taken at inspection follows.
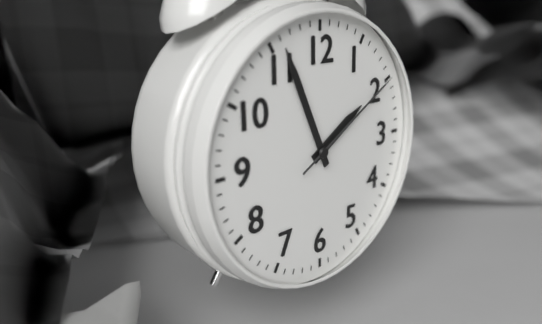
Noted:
**1:56:10**
